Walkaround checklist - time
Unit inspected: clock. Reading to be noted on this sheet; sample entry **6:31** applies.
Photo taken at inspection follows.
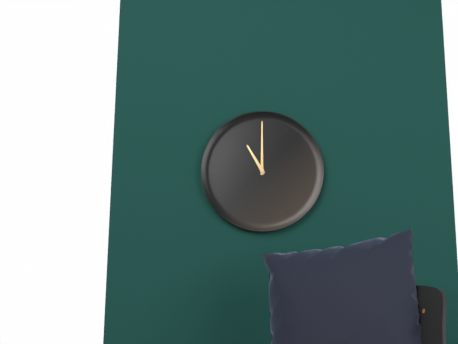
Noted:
**11:00**
